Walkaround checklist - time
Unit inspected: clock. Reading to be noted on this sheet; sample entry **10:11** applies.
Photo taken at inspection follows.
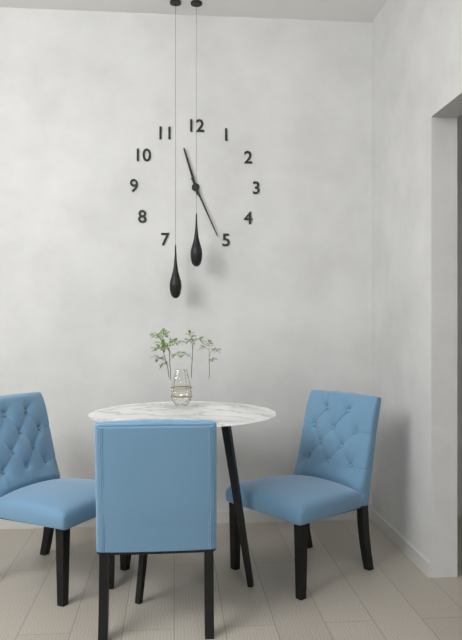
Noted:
**11:26**
